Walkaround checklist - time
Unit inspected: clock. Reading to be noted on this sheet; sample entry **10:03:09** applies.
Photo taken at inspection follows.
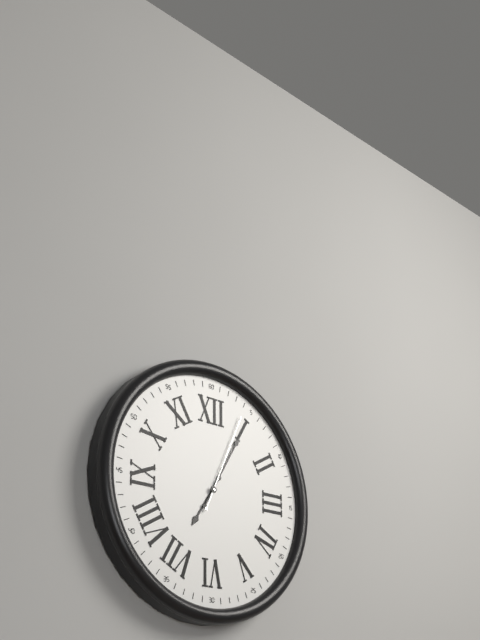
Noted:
**7:05:04**
